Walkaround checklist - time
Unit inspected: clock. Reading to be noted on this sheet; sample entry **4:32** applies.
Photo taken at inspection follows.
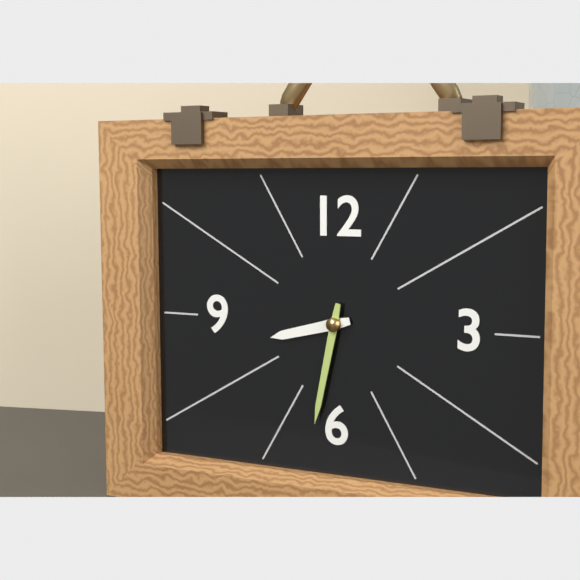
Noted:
**8:32**
